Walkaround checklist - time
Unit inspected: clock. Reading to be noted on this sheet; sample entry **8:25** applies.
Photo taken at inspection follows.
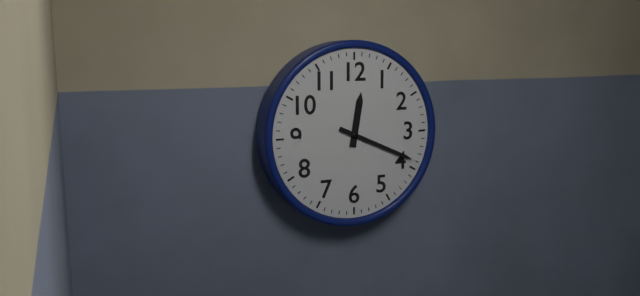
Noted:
**12:19**
